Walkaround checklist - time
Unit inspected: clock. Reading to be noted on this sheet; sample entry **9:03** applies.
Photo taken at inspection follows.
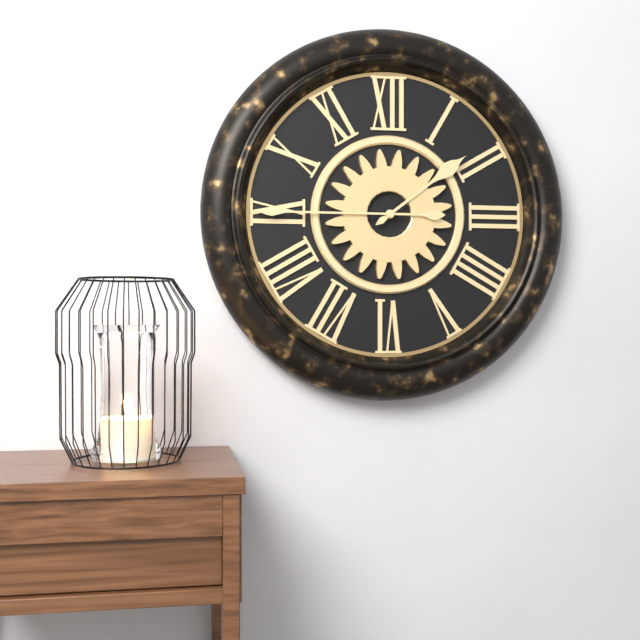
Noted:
**1:45**
